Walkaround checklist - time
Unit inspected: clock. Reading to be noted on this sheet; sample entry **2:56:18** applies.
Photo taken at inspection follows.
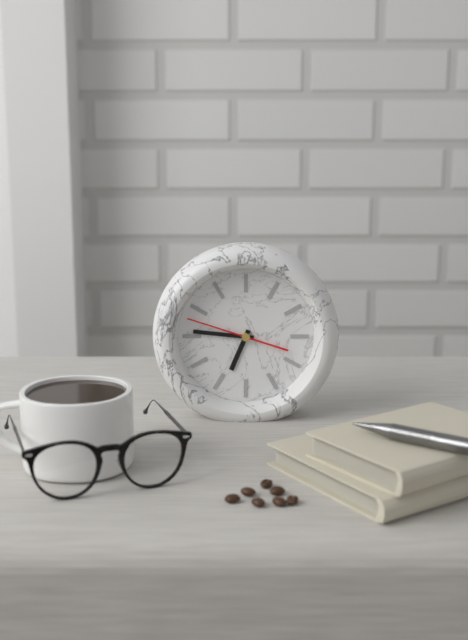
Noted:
**6:46:48**
